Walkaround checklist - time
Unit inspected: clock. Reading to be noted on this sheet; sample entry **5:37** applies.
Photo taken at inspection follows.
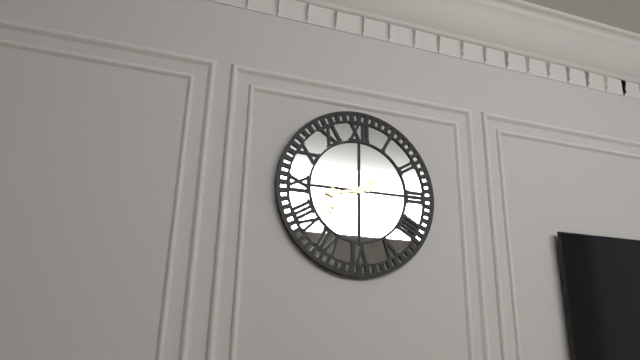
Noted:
**8:39**
